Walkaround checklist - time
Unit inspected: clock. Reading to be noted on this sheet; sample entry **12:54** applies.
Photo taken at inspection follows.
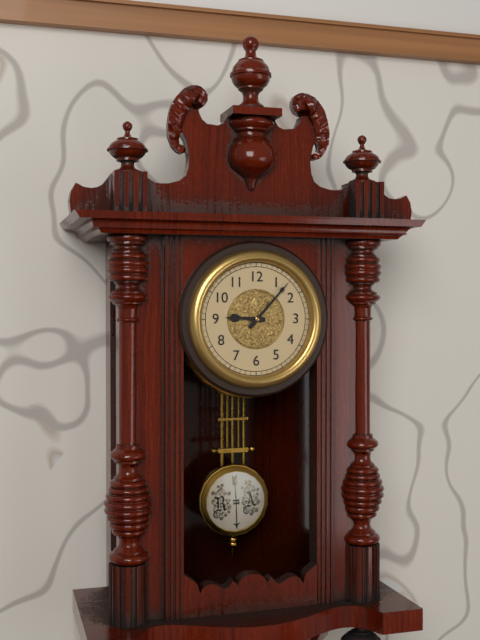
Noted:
**9:07**
